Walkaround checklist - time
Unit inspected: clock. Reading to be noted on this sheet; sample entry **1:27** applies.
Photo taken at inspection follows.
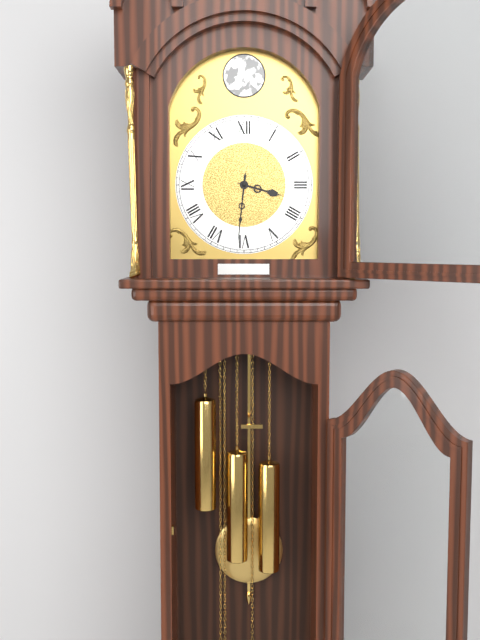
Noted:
**3:31**
